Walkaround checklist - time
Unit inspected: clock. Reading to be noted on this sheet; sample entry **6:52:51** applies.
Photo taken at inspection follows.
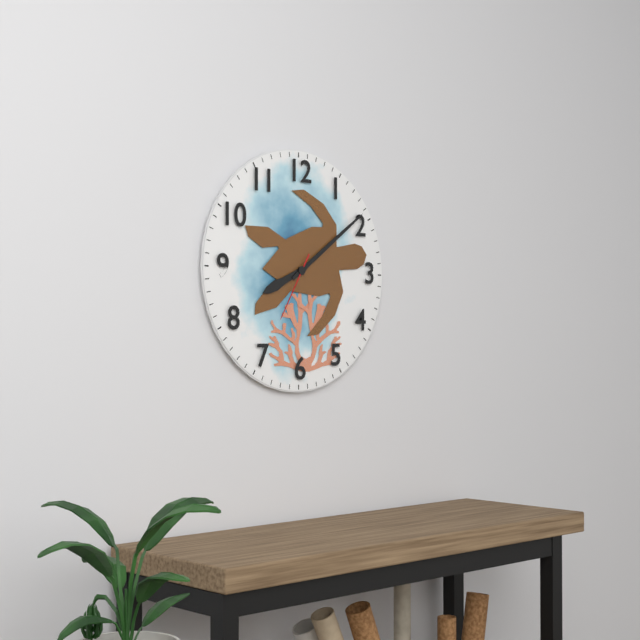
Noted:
**8:09:35**
